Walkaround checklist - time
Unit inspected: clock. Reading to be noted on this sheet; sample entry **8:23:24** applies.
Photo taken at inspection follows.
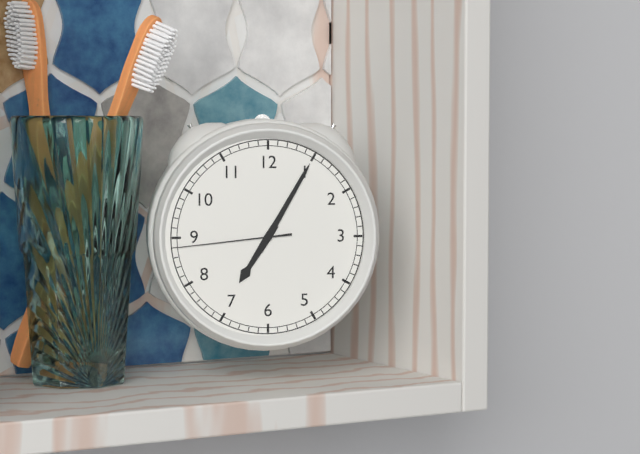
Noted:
**7:05:44**
